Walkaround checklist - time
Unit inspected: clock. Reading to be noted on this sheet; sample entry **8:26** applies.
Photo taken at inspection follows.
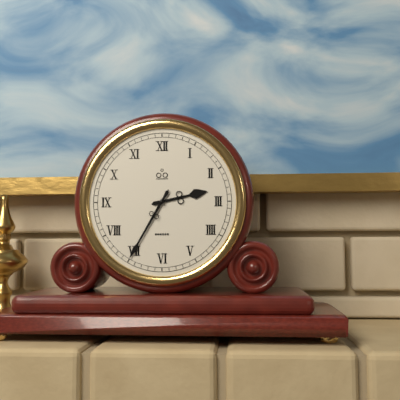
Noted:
**2:35**
